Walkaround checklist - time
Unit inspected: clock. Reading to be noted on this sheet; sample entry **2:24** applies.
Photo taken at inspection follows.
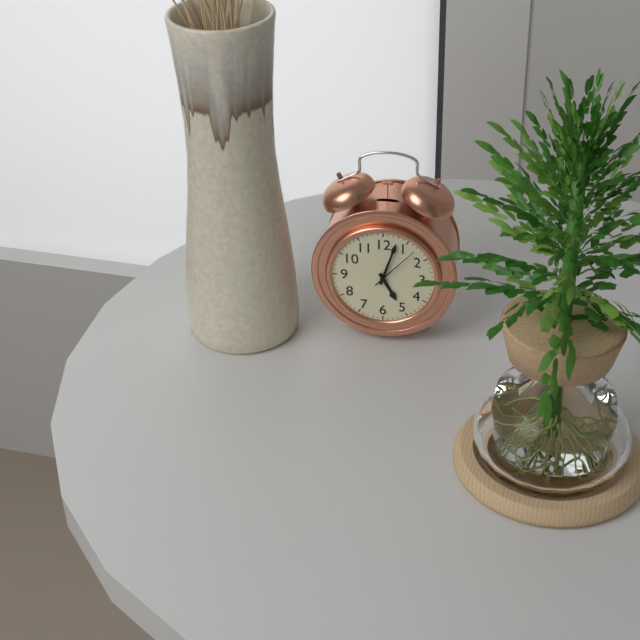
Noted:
**5:03**
